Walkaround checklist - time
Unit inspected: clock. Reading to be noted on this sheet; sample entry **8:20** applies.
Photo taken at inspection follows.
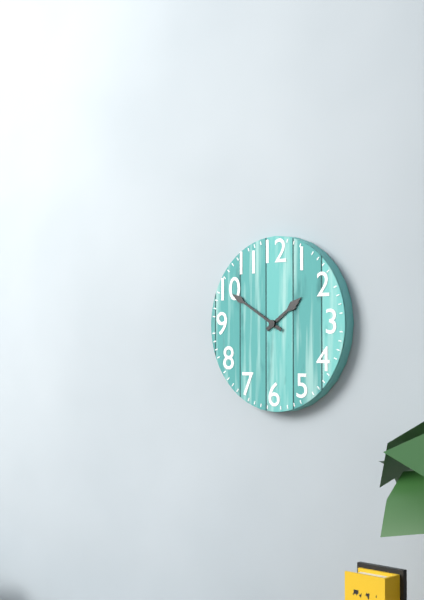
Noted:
**1:50**
